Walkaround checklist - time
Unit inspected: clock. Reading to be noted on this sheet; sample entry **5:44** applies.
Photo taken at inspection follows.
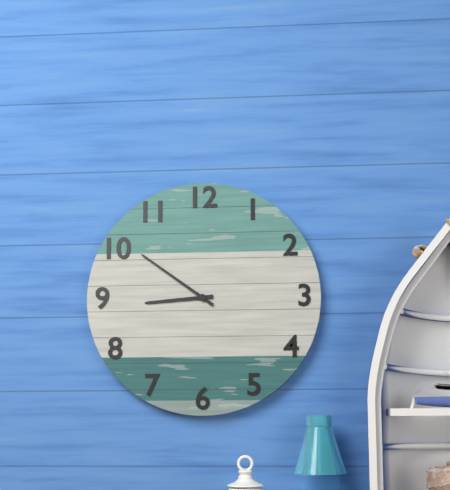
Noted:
**8:51**
